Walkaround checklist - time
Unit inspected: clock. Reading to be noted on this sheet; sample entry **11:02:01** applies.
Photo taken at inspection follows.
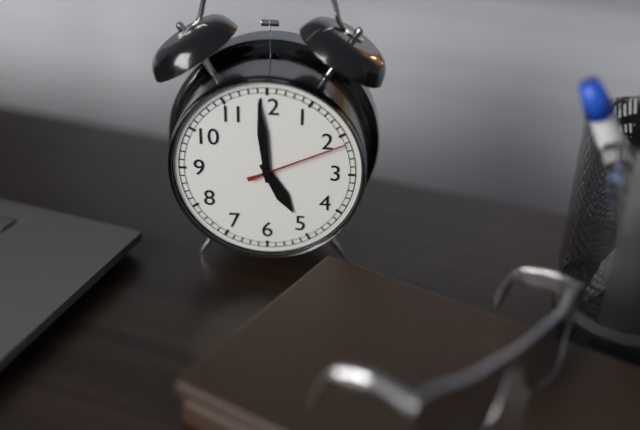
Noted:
**4:59:11**
